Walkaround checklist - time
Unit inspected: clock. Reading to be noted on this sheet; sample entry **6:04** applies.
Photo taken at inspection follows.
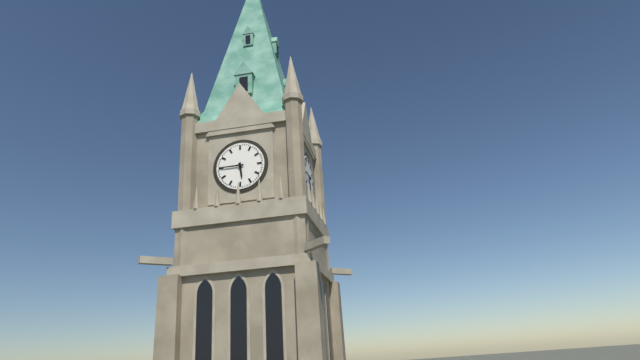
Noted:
**5:45**
